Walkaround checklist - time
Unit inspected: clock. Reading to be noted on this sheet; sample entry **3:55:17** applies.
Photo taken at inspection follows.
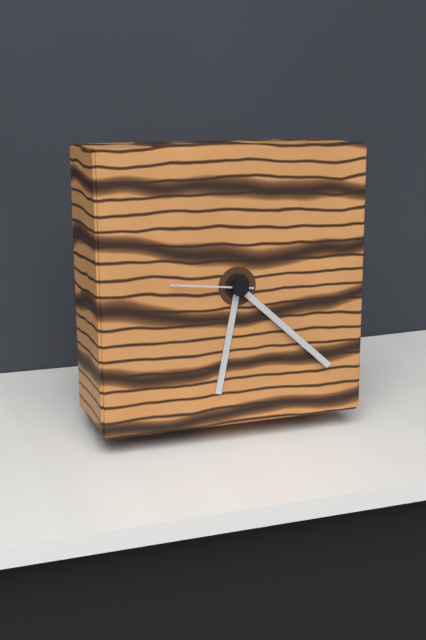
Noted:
**6:22:46**
